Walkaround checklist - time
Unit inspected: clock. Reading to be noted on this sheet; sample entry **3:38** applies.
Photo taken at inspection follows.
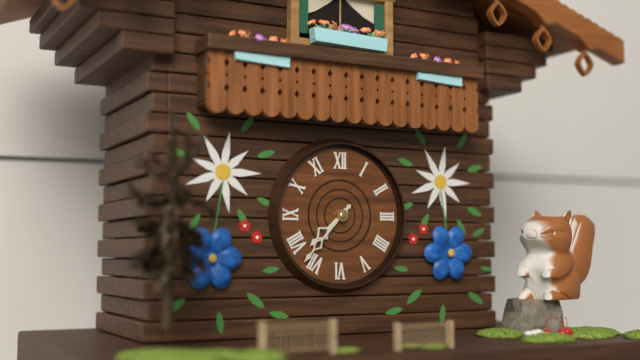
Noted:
**7:37**
